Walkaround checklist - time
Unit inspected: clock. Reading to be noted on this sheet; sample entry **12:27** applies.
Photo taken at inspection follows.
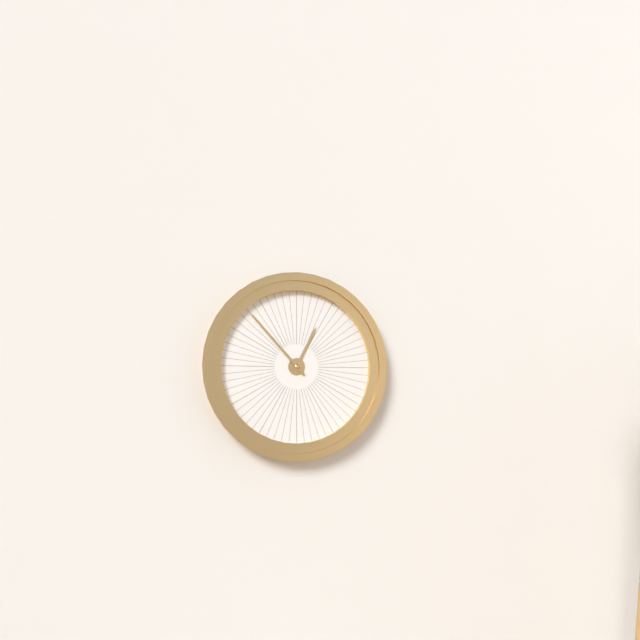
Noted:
**12:53**
